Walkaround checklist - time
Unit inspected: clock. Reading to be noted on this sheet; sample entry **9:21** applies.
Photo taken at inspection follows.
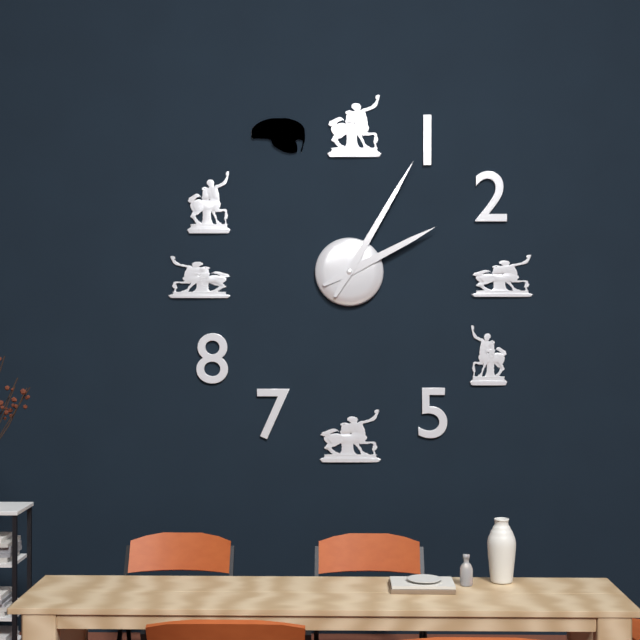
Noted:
**2:05**
